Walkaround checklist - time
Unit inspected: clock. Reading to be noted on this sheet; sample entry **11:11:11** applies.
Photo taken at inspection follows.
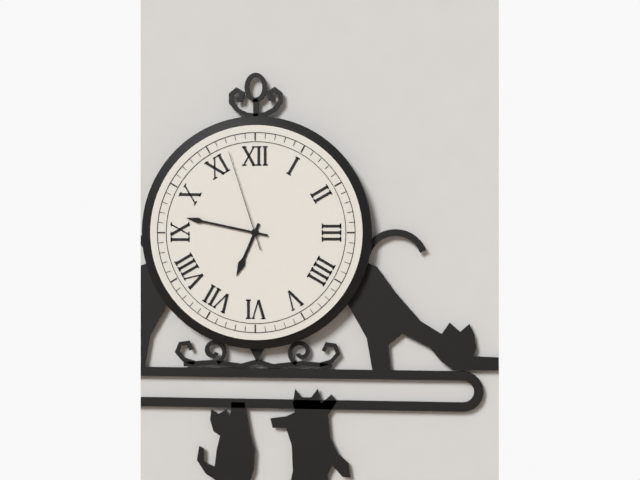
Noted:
**6:47:57**
